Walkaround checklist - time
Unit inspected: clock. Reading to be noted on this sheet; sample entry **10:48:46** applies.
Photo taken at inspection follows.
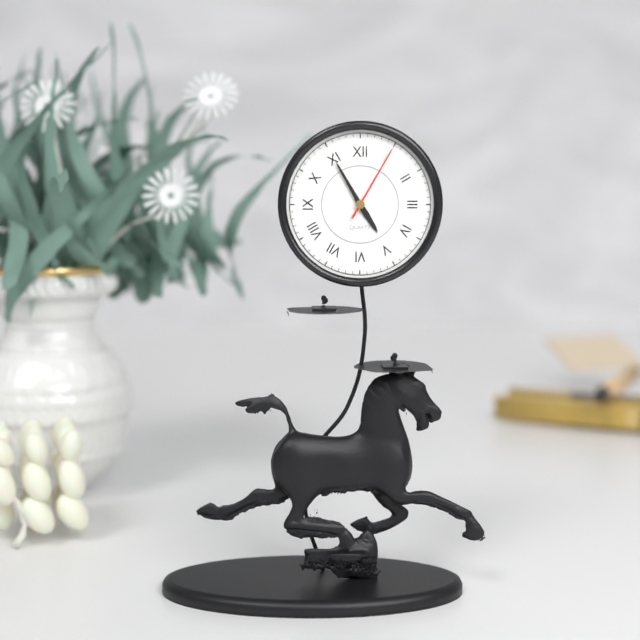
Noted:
**4:55:05**
